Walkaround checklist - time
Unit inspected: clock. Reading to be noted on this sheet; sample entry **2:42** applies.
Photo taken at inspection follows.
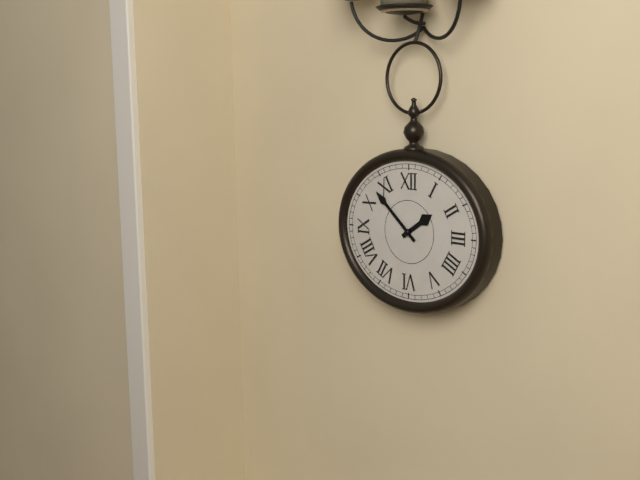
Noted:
**1:52**
